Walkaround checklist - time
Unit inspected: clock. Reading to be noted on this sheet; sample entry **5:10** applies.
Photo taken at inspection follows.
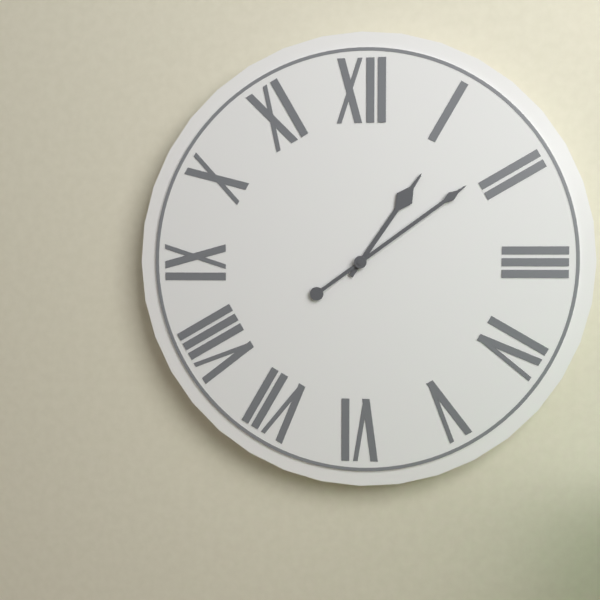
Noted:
**1:09**
